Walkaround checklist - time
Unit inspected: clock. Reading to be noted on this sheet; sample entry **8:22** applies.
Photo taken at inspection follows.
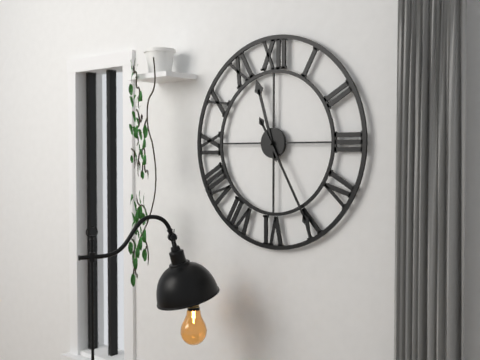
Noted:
**11:25**
